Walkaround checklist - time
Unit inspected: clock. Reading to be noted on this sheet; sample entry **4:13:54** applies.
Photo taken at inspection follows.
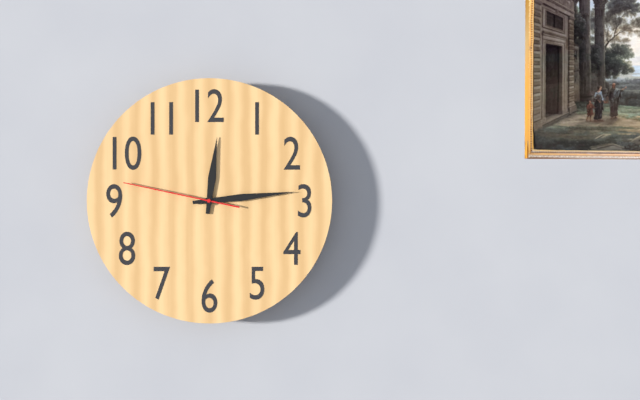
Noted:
**12:14:47**
